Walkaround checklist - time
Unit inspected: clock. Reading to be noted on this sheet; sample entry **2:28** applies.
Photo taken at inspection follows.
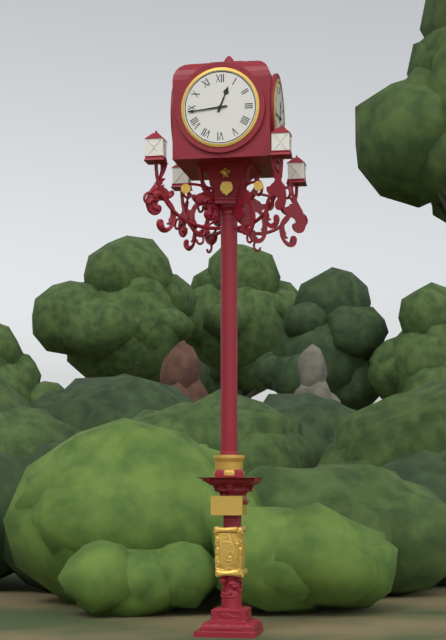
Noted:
**12:44**
